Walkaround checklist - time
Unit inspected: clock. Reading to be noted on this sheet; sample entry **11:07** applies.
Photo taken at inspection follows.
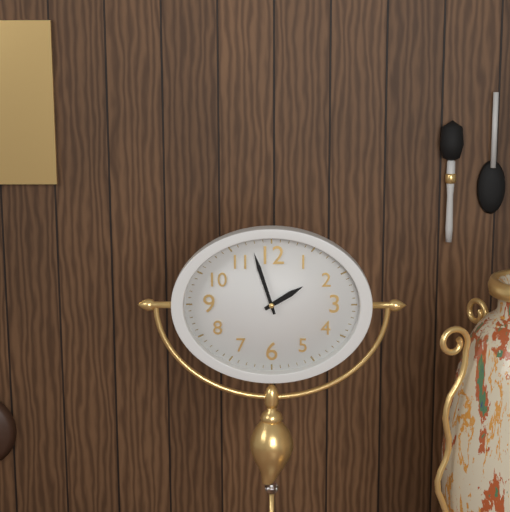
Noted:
**1:57**
